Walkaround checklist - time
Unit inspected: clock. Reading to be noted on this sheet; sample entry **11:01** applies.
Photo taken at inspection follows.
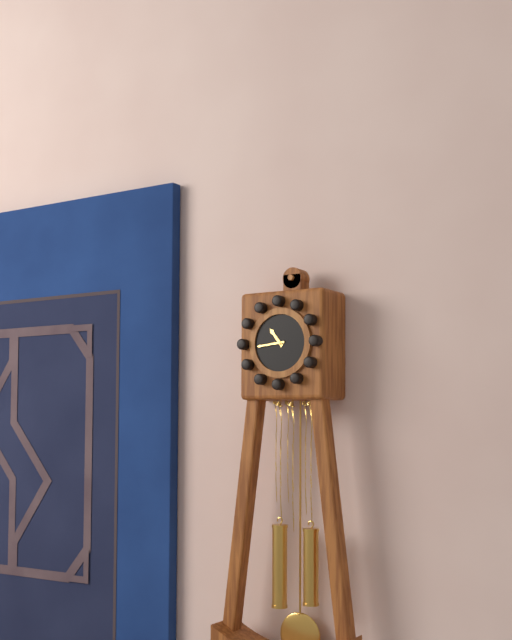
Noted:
**10:44**
